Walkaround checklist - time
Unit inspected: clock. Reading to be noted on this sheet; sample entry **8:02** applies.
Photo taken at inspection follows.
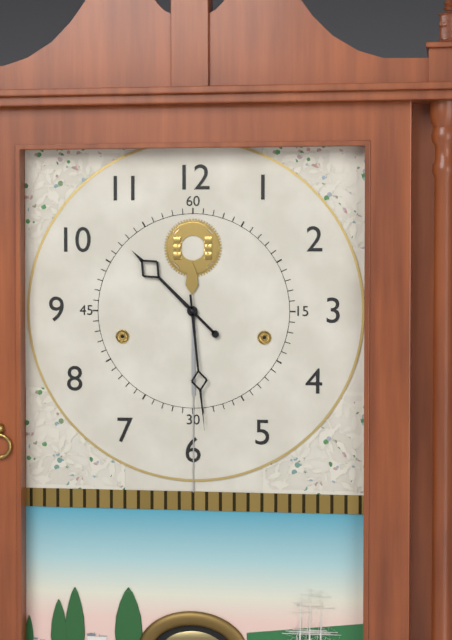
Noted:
**10:29**
